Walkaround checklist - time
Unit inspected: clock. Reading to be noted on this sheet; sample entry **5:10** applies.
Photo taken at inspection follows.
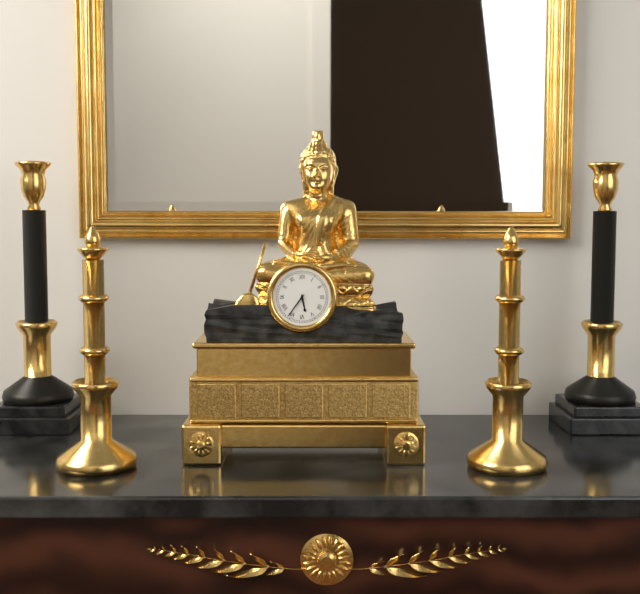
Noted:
**5:36**
